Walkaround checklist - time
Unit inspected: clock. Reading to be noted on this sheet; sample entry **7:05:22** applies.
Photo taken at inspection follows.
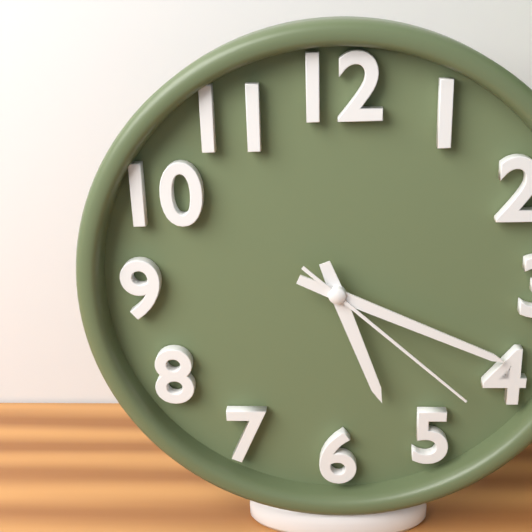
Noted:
**5:19:22**
